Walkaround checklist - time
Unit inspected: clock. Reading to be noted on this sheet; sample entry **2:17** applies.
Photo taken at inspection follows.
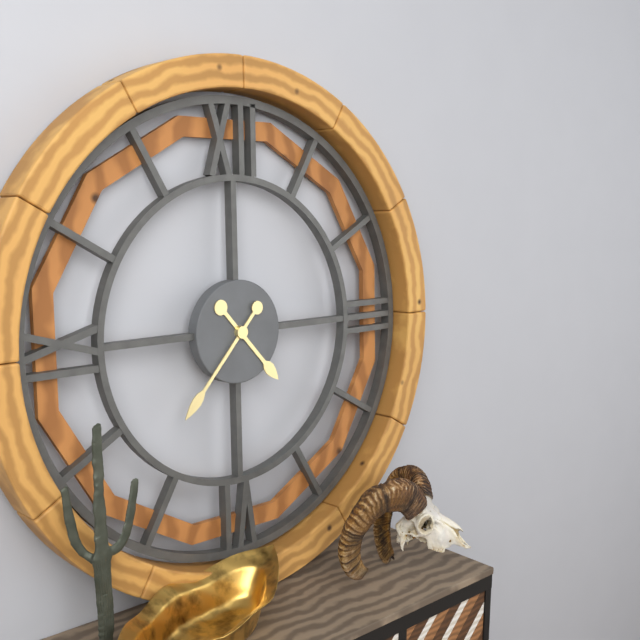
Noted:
**4:37**
